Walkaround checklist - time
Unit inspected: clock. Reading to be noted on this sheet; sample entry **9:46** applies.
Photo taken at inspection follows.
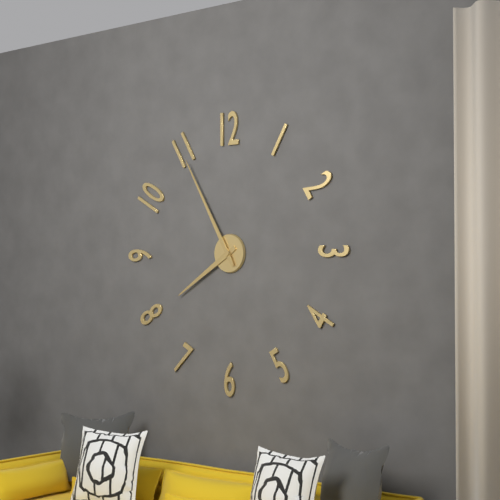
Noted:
**7:55**
